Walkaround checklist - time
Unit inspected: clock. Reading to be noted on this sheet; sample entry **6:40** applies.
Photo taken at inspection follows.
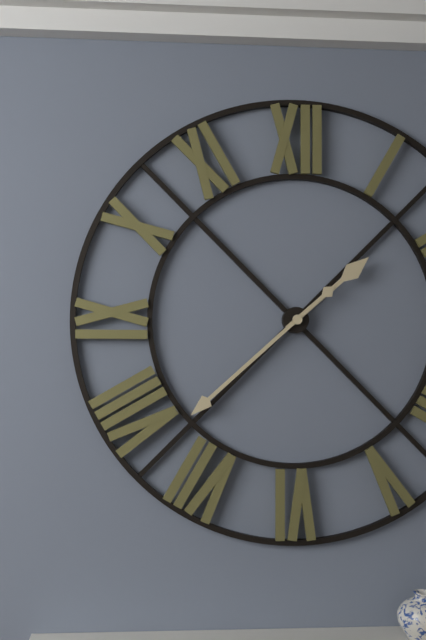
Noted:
**1:38**
